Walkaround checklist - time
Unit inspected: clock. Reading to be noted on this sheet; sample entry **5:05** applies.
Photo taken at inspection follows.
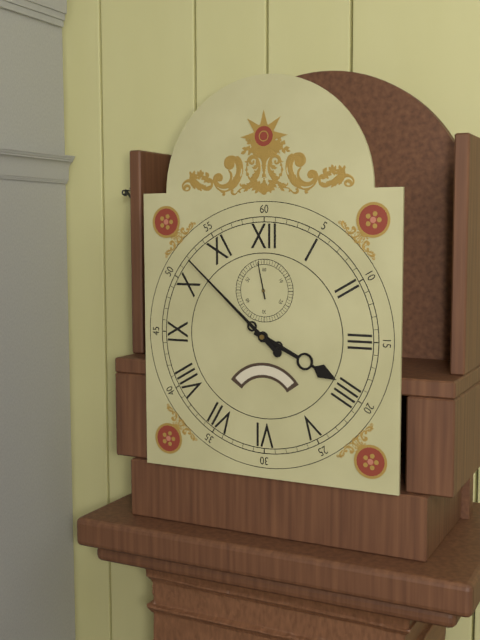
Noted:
**3:52**
